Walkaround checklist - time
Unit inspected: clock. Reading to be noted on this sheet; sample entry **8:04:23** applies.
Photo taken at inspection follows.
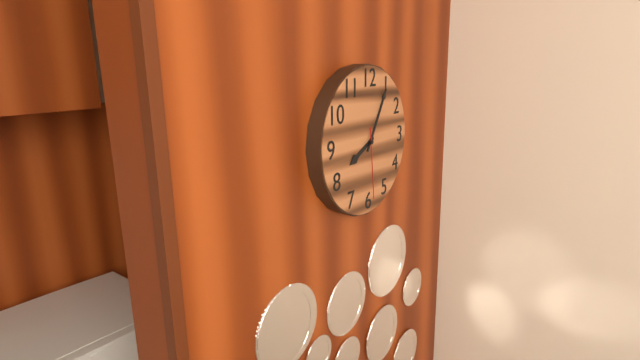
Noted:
**8:05:29**
